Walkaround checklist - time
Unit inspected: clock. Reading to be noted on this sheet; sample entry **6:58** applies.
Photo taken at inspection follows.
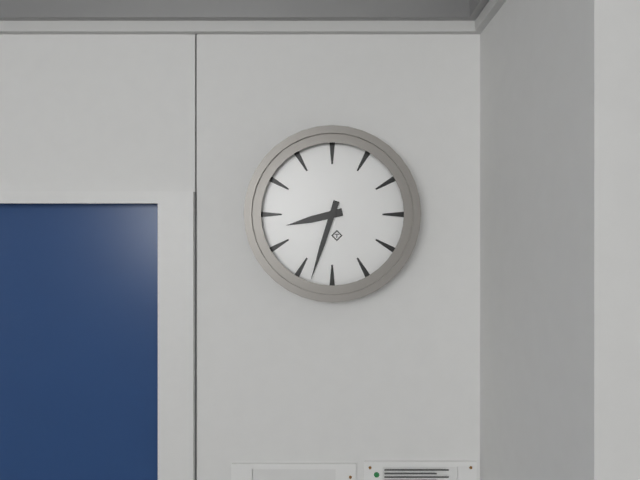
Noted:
**8:33**
